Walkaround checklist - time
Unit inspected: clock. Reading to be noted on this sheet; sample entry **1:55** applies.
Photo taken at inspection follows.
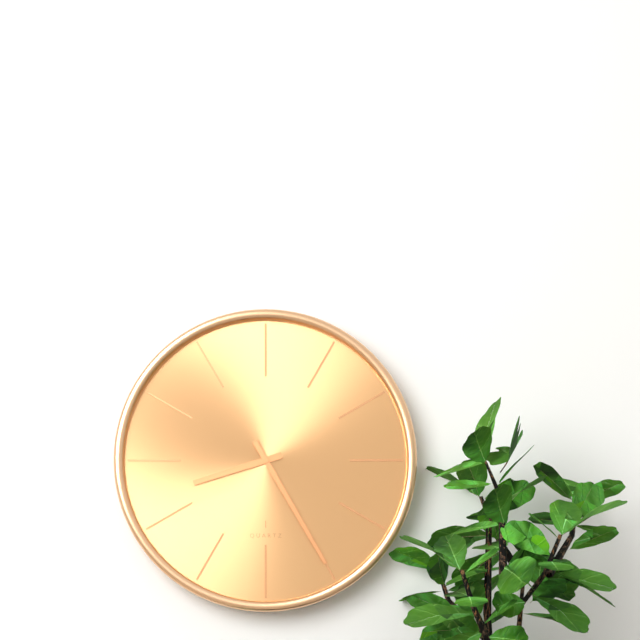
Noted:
**8:25**
